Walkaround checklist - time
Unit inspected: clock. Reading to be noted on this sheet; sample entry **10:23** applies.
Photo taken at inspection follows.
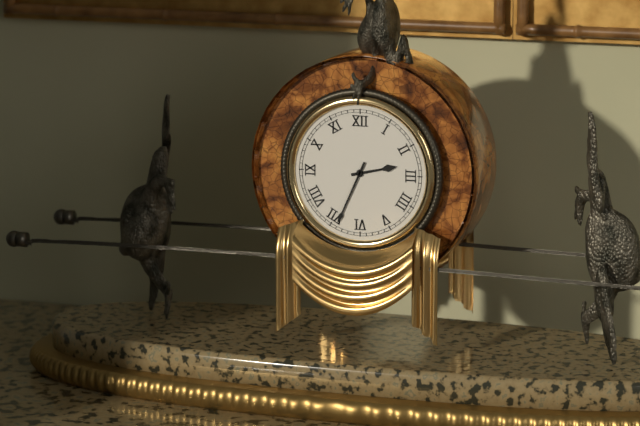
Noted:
**2:34**
